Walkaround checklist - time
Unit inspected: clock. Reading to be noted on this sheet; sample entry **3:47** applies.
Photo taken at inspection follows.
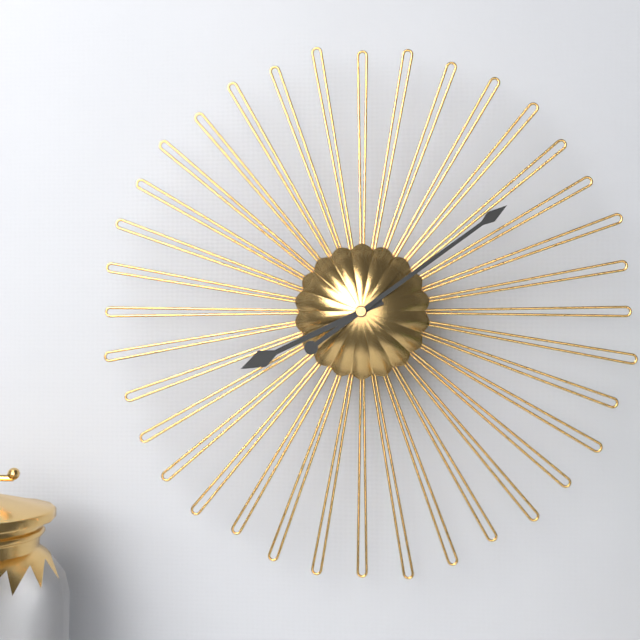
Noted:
**8:09**
